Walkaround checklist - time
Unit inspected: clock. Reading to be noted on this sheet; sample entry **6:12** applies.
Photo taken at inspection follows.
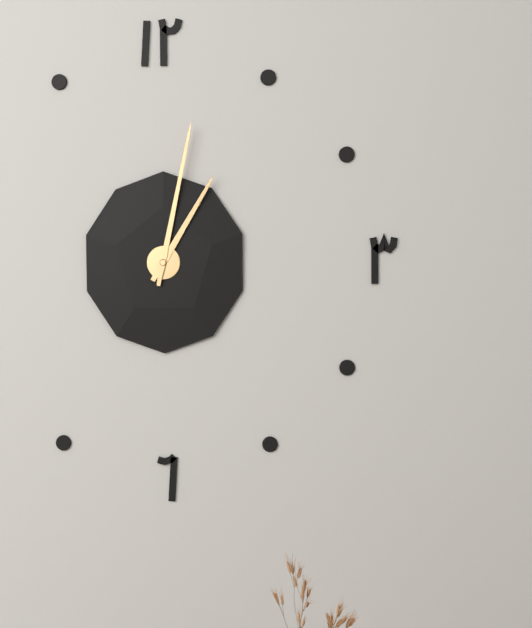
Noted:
**1:02**
